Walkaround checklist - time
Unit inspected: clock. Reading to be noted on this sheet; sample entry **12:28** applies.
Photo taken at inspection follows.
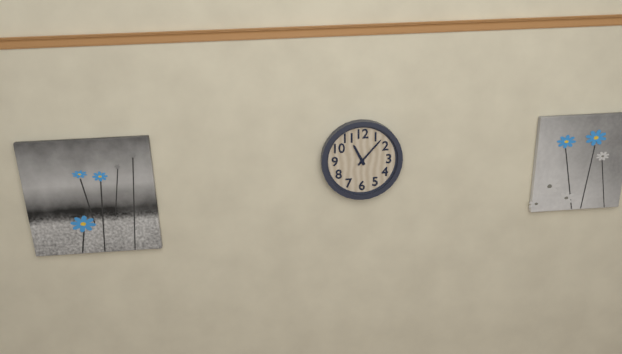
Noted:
**11:07**
